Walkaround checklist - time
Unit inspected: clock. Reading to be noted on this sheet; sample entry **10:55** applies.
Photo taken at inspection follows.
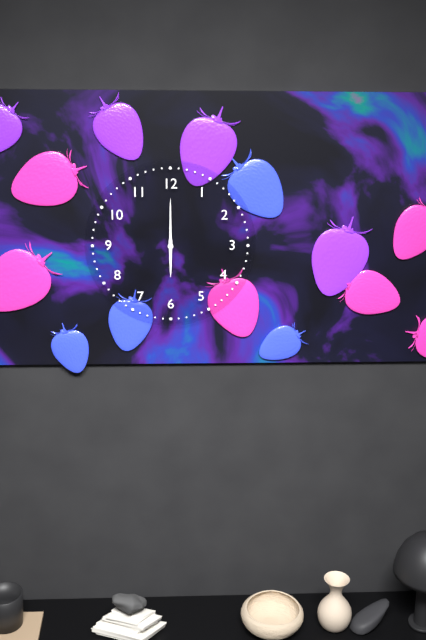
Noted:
**6:00**
